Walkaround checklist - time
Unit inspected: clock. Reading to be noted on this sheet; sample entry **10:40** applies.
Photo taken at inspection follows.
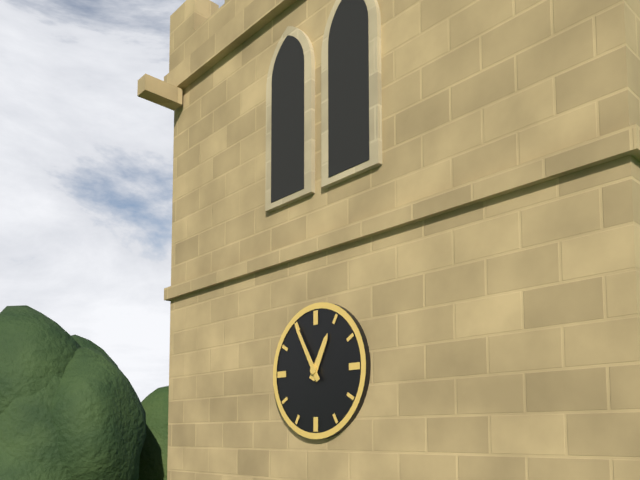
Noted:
**12:55**
